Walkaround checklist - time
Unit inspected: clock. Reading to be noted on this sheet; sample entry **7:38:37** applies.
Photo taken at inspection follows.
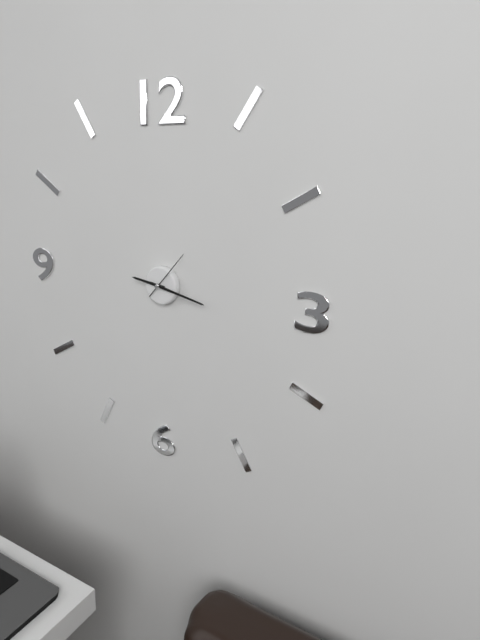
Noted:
**9:17:07**
